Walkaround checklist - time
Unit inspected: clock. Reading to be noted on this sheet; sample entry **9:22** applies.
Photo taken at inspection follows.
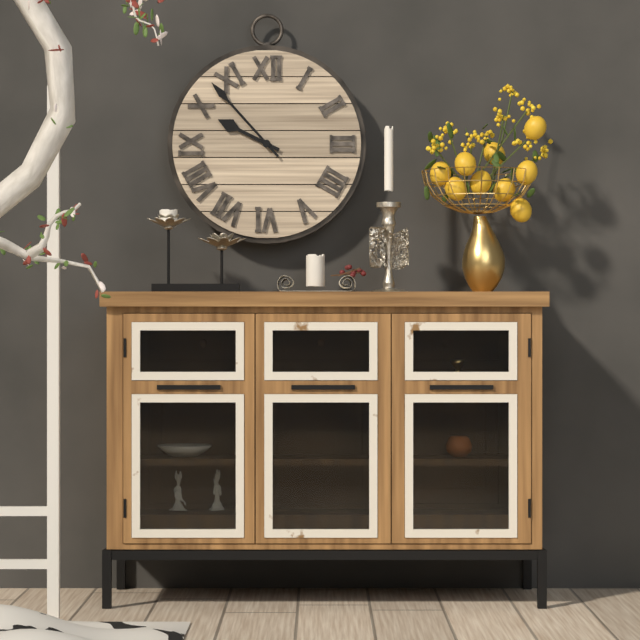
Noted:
**9:53**
